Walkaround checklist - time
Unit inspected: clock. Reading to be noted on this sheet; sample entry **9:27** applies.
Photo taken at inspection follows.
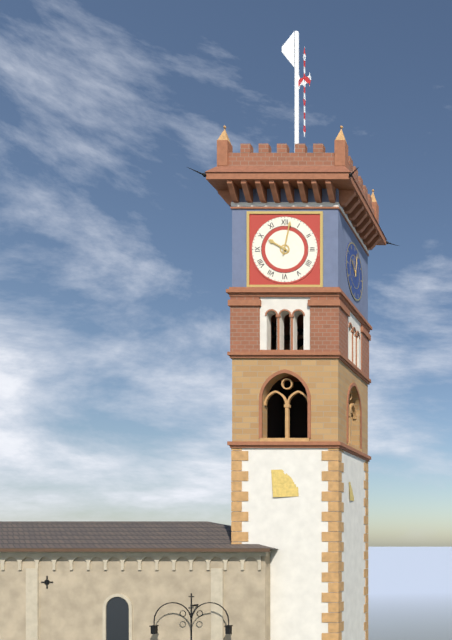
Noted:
**10:02**
